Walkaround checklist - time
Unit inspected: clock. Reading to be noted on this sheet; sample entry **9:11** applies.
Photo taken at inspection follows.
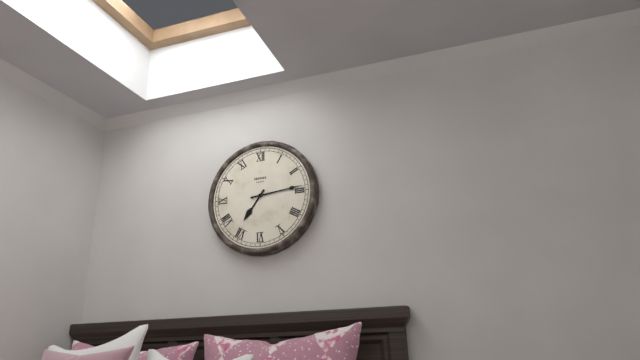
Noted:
**7:14**
